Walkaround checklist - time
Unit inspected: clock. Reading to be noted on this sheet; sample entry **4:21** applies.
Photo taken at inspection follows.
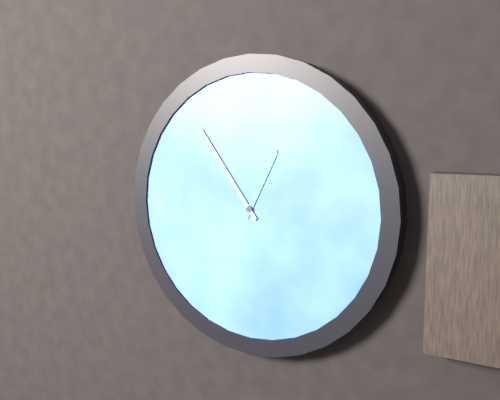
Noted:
**12:54**
